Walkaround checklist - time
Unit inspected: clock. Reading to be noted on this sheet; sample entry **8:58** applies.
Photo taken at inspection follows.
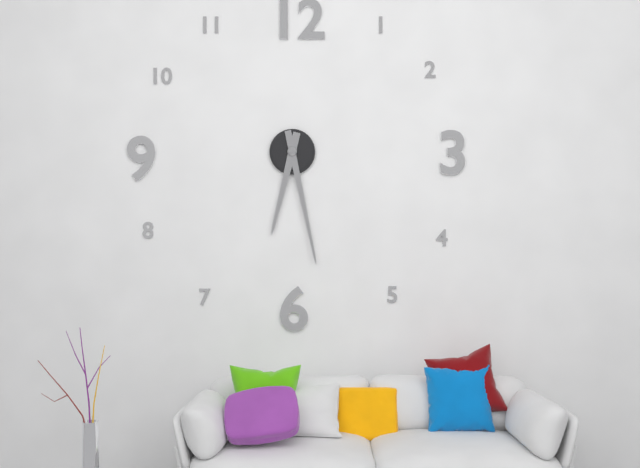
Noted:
**6:28**
